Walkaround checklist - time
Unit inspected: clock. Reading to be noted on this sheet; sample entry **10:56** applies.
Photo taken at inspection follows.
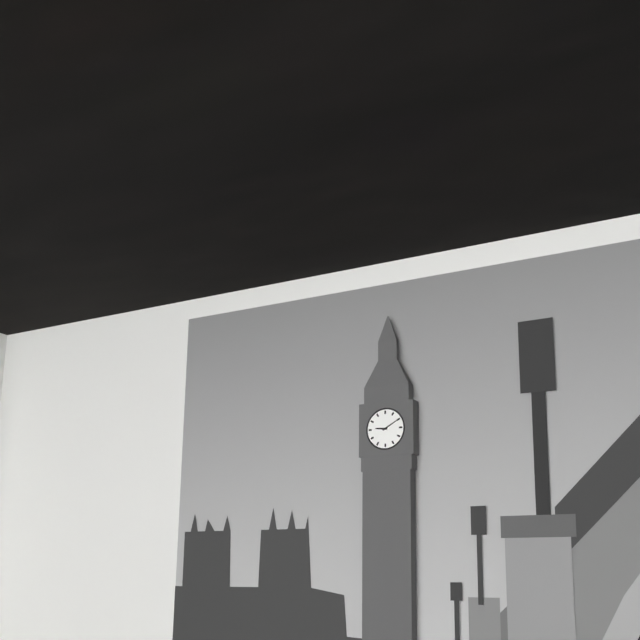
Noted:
**9:10**
